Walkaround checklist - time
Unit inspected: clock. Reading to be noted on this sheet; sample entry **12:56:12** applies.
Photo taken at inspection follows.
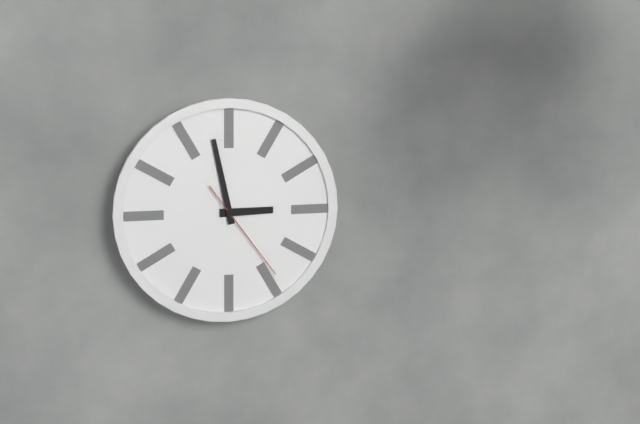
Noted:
**2:58:24**
